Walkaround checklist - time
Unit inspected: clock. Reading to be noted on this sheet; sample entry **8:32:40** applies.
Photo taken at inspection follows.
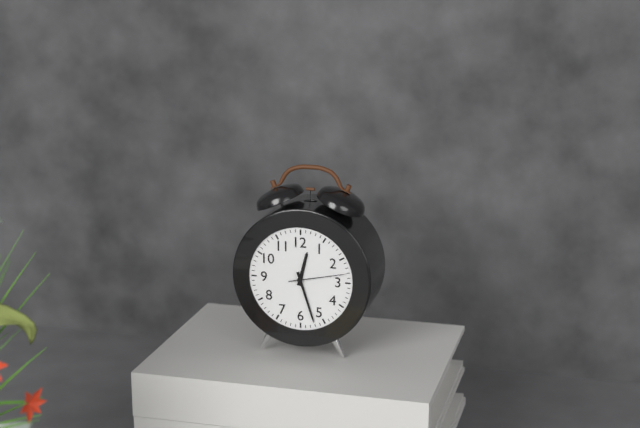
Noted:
**12:27:13**
